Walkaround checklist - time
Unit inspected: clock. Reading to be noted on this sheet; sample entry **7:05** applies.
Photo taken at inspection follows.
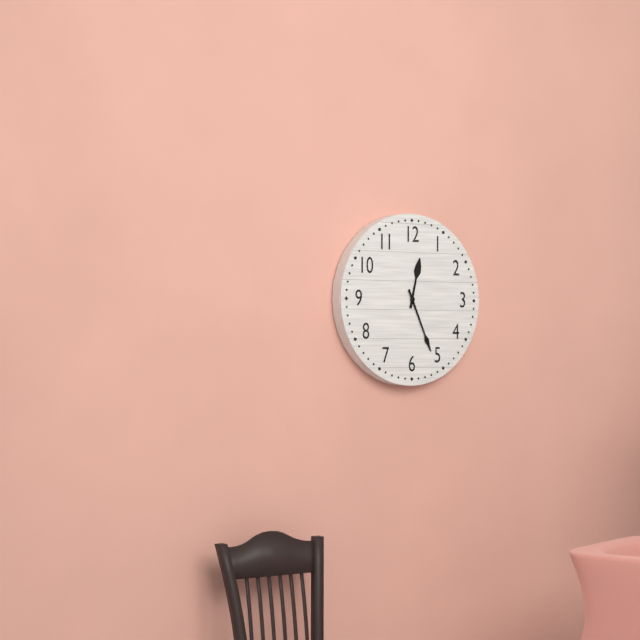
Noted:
**12:26**
